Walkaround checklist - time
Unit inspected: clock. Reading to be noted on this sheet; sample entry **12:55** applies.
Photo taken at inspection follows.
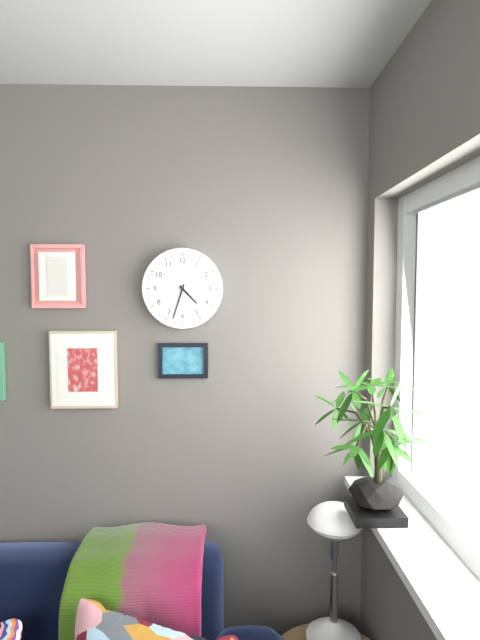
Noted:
**4:33**
